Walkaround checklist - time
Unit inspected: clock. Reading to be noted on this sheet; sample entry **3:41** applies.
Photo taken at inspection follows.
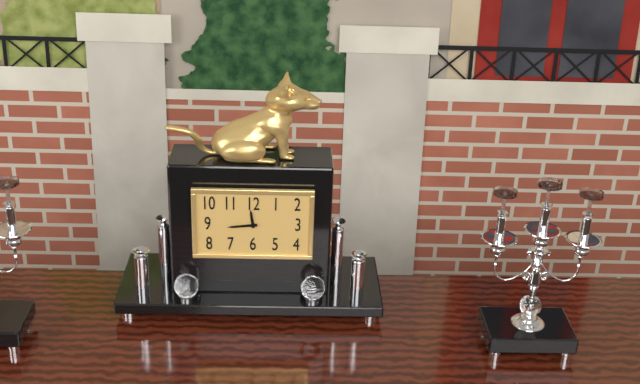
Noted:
**11:44**
